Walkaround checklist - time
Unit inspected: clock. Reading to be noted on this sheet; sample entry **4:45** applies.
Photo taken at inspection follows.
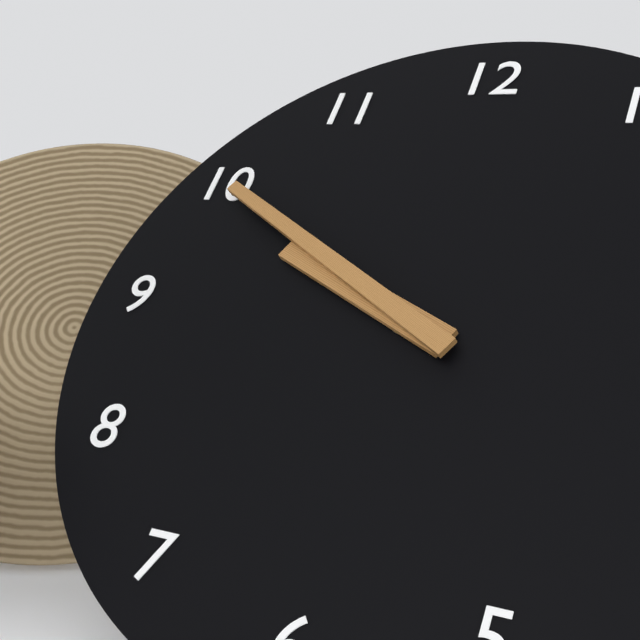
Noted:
**9:50**
